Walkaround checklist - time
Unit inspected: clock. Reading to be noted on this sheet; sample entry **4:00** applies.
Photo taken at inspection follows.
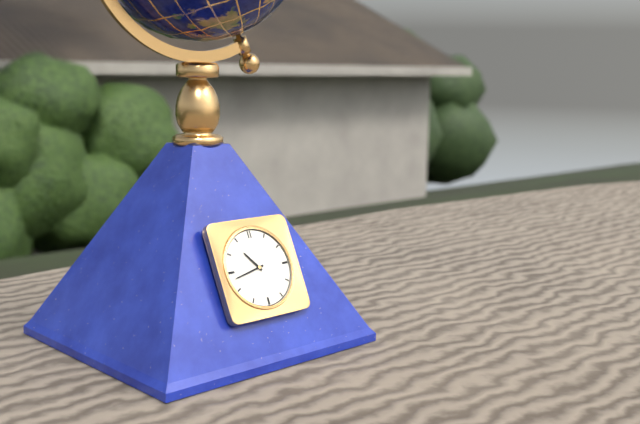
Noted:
**10:43**
